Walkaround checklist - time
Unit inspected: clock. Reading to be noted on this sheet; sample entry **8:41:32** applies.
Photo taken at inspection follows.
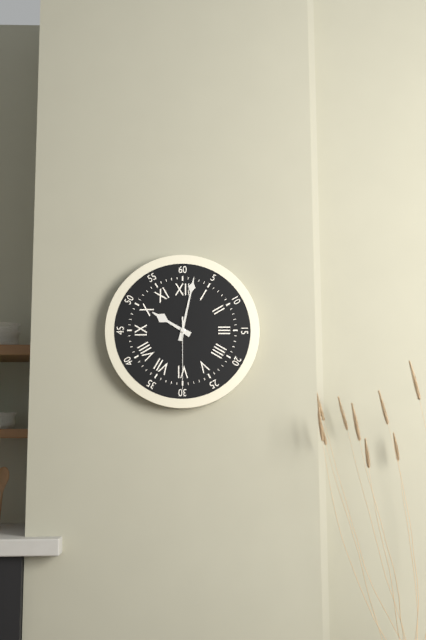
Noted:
**10:02:30**
